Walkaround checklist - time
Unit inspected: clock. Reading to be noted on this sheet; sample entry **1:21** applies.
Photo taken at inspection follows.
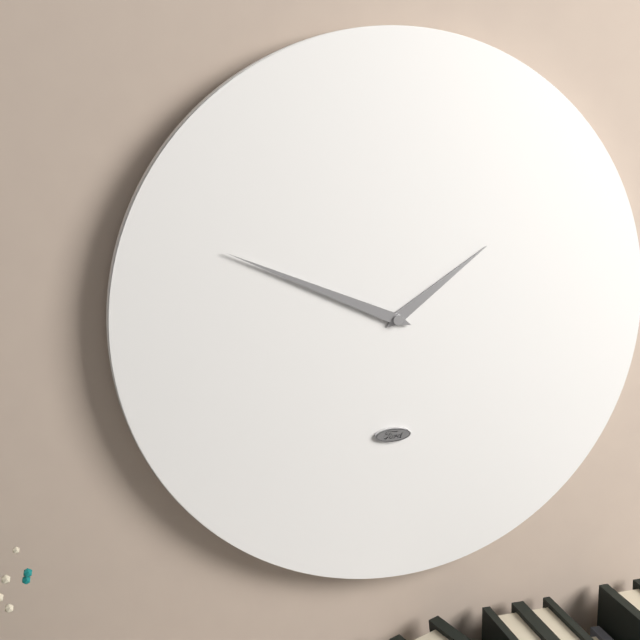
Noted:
**1:49**
